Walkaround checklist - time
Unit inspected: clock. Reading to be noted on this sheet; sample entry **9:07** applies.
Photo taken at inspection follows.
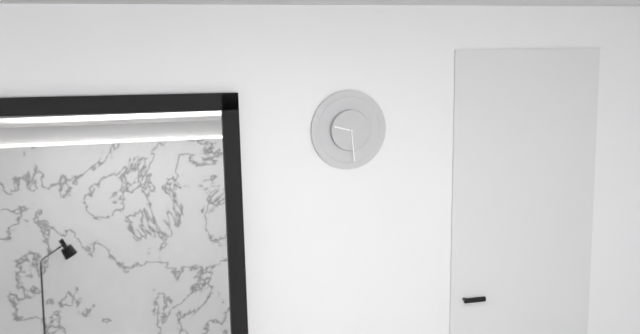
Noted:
**9:29**
